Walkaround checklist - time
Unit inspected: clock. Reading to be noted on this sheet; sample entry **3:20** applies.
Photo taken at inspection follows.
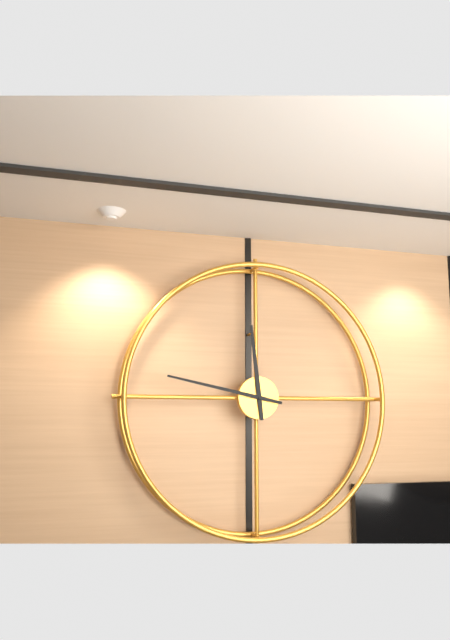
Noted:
**11:47**
